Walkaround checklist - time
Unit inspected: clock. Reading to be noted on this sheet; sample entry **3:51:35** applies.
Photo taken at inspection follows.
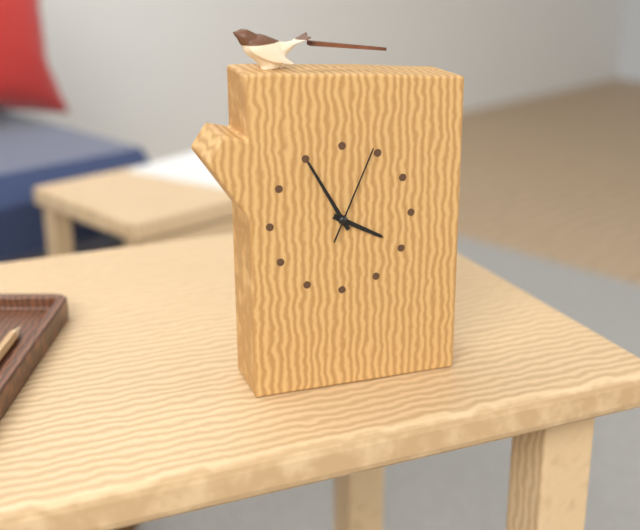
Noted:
**3:55:04**
